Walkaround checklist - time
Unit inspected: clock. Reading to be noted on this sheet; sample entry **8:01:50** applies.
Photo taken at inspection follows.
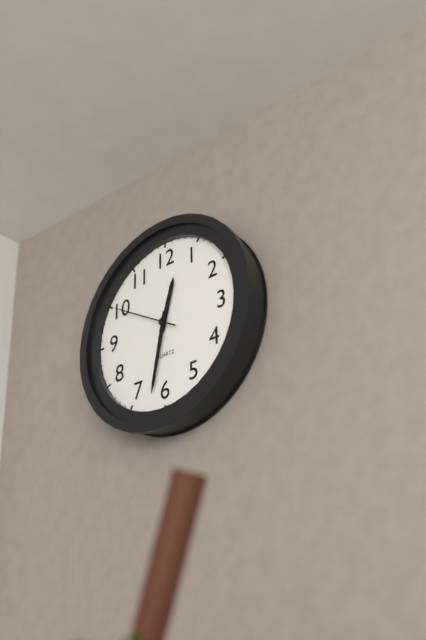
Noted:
**12:32:50**
